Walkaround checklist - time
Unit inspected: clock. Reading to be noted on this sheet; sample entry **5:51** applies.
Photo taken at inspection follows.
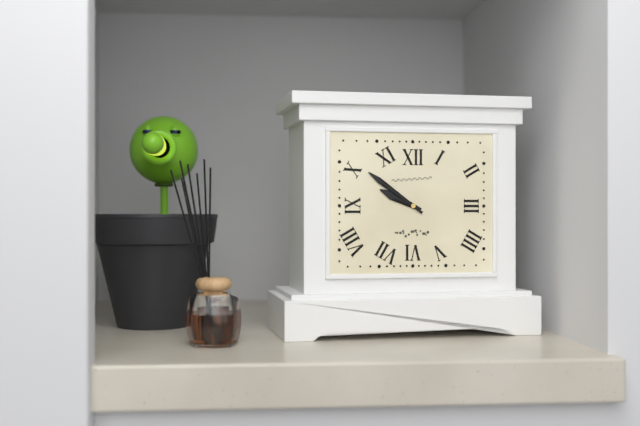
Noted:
**9:51**
